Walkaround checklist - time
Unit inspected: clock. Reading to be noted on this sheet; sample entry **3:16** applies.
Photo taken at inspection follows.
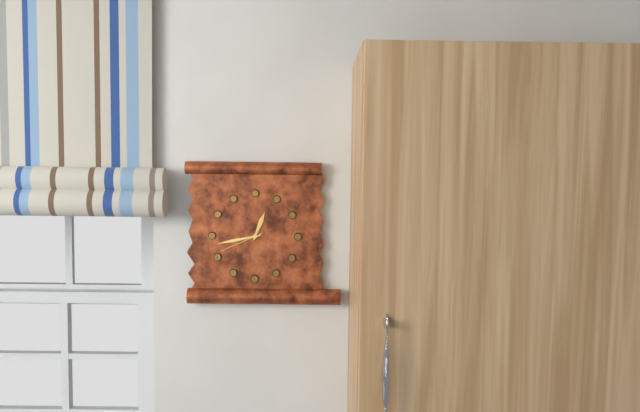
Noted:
**12:43**
